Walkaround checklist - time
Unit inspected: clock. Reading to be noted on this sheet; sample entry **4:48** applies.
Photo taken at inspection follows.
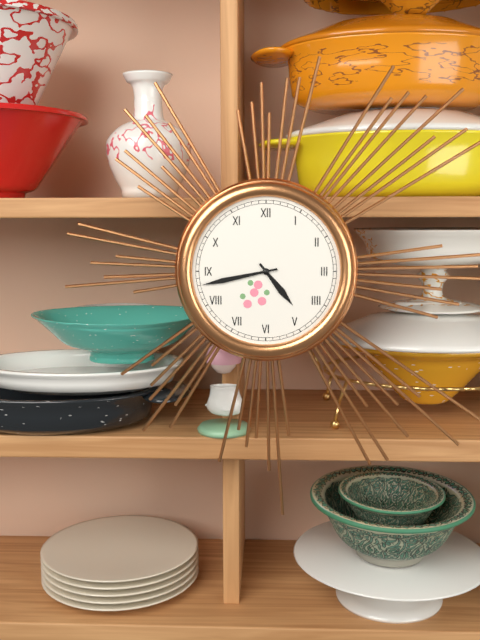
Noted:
**4:43**
